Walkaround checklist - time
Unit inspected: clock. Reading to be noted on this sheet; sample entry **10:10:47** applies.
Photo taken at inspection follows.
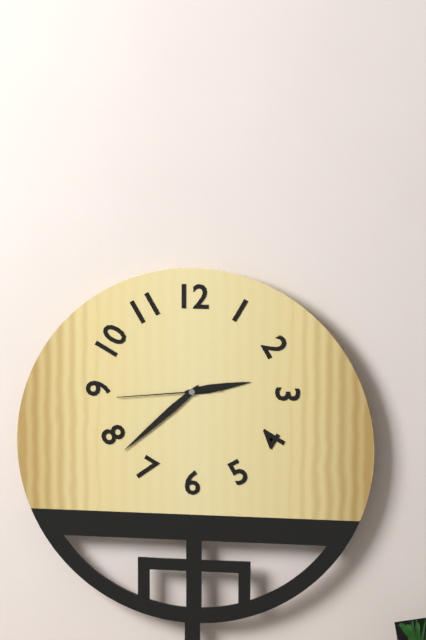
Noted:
**2:38:44**
